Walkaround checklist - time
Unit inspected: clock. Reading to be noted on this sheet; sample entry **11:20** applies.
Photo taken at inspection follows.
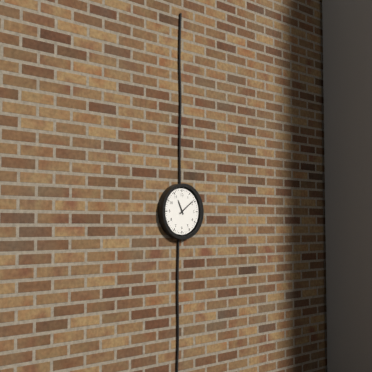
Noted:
**11:09**
